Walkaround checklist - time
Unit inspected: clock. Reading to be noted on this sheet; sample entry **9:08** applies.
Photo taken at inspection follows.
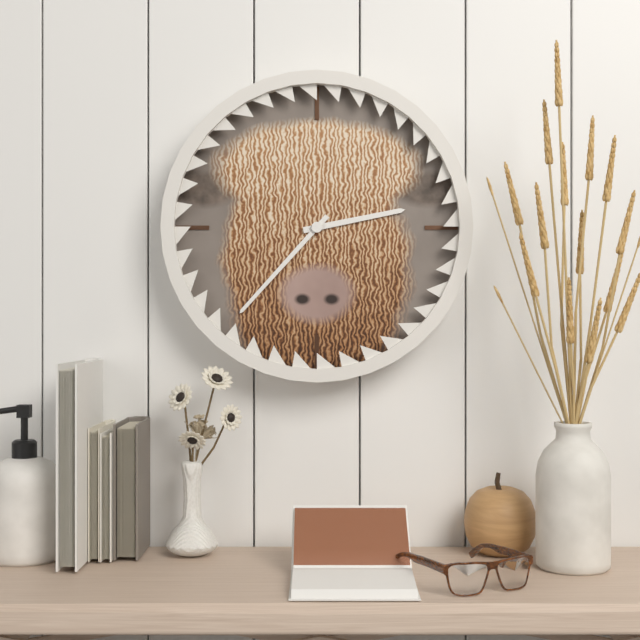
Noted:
**2:37**
